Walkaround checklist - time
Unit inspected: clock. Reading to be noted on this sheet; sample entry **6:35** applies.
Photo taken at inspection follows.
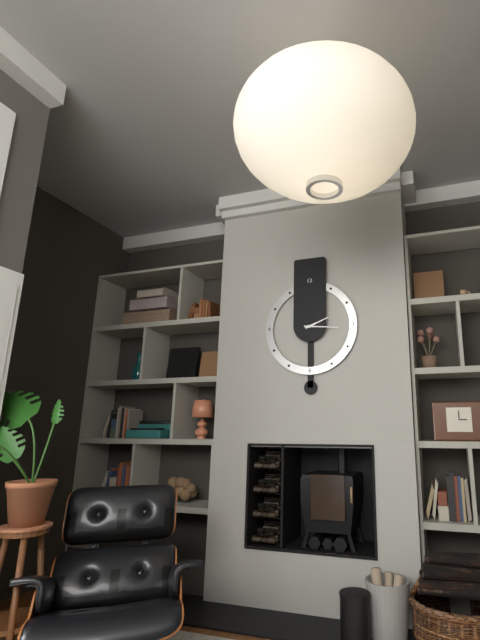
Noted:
**2:16**
